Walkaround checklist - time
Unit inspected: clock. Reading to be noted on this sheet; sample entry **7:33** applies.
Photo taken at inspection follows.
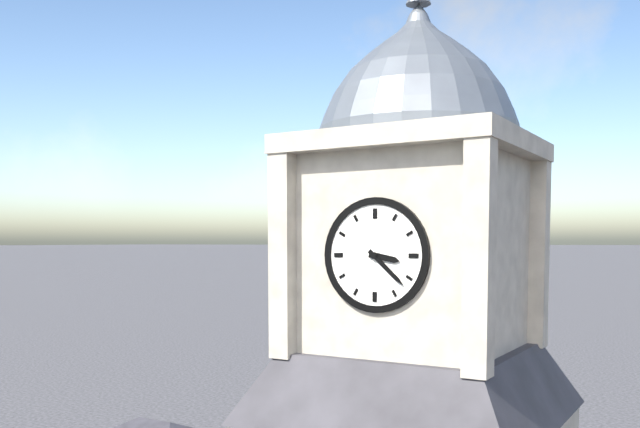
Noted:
**3:22**
